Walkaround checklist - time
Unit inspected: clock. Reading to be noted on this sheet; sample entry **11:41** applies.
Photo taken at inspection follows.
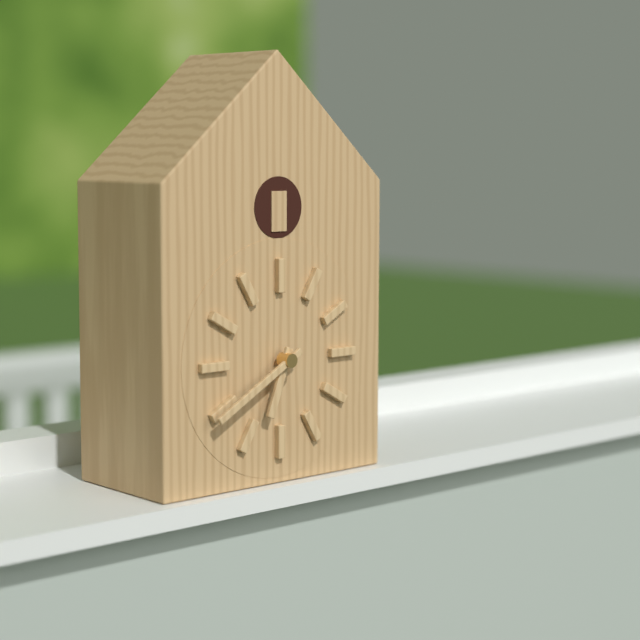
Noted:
**6:40**
